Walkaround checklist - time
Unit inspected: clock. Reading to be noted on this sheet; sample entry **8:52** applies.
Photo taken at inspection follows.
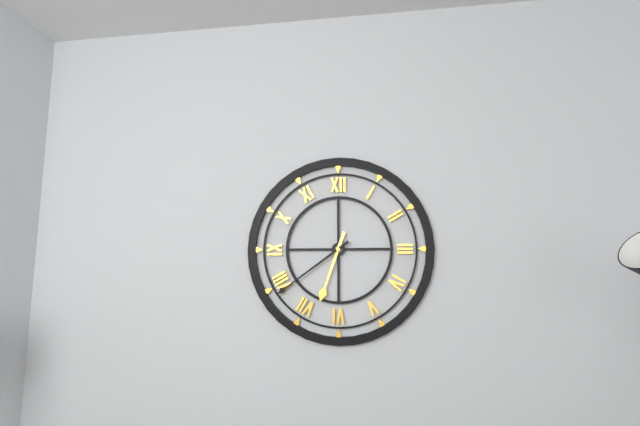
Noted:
**6:39**
